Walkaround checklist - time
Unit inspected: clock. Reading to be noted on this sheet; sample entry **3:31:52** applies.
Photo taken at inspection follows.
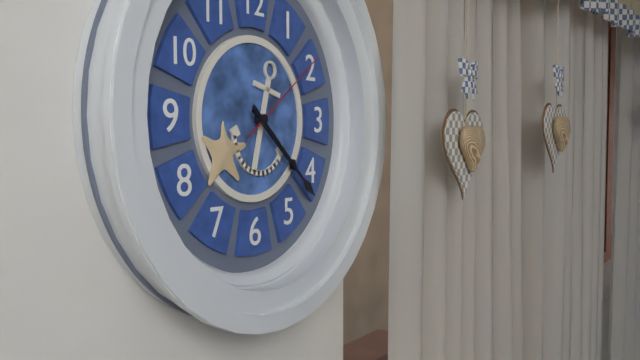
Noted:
**4:22:09**
